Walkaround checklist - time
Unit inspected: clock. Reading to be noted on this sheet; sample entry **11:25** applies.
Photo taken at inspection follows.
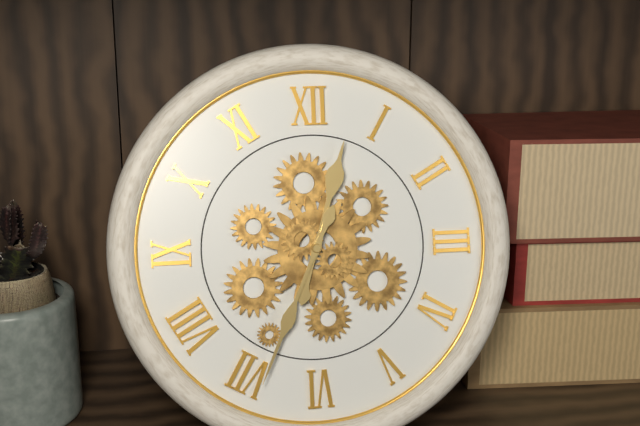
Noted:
**12:34**
